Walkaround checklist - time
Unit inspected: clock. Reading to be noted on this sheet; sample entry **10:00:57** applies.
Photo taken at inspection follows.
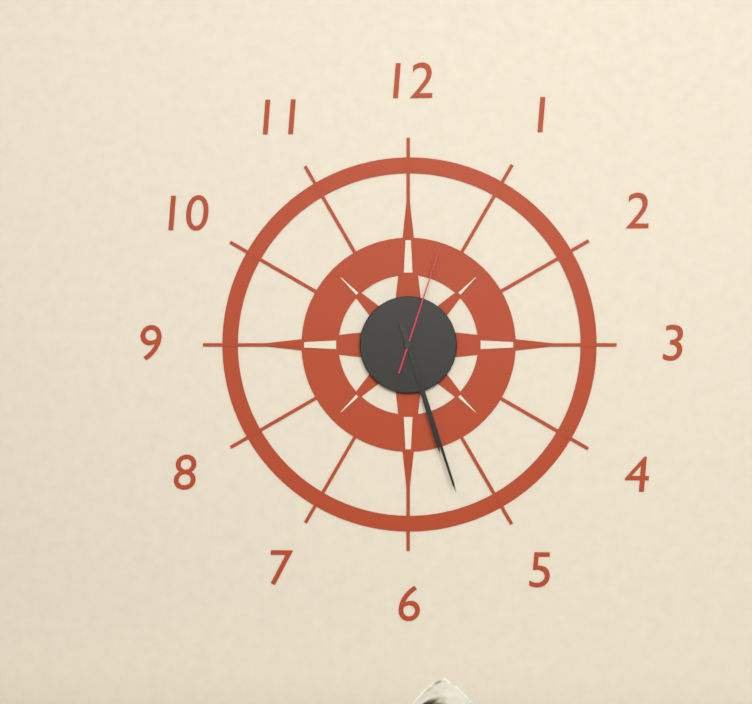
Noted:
**5:27:03**
